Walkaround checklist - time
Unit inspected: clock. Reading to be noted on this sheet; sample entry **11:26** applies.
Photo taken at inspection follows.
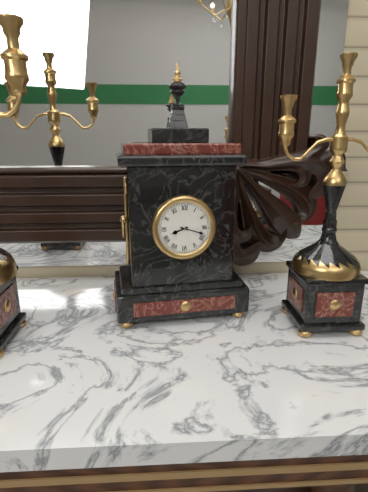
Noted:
**8:18**
